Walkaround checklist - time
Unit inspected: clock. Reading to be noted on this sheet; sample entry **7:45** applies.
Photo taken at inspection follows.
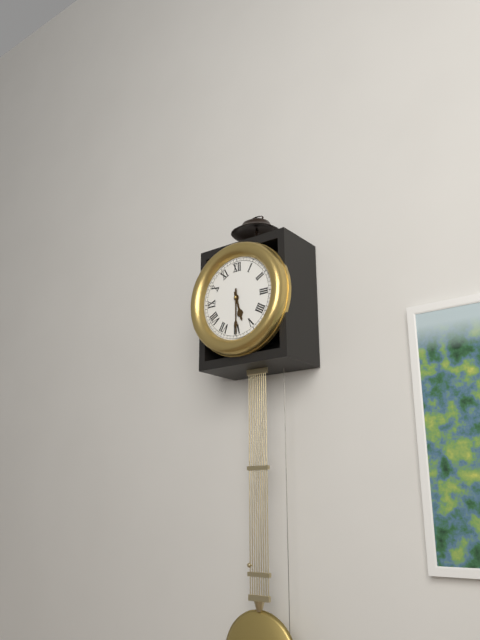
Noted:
**5:30**
